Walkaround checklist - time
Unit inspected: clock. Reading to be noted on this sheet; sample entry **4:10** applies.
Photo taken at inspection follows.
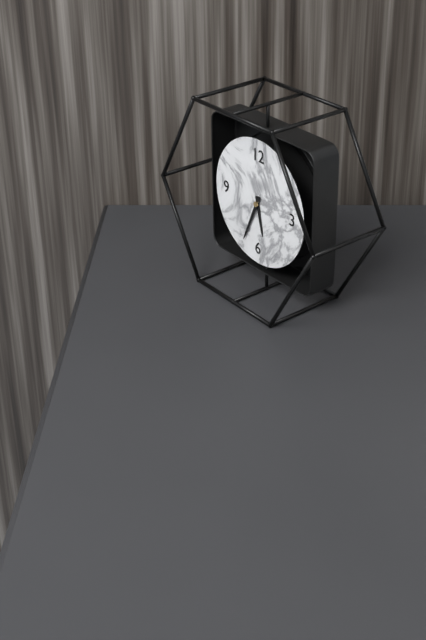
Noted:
**5:34**
